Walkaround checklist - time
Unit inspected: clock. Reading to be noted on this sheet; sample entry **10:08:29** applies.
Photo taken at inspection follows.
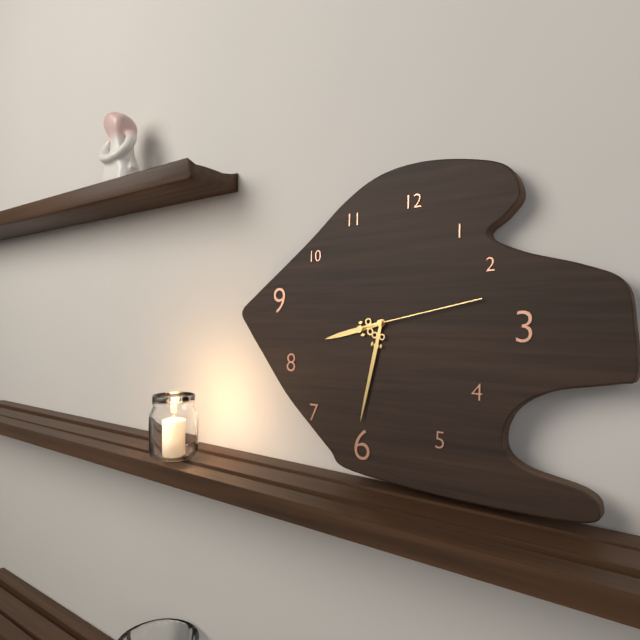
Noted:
**8:32:13**
